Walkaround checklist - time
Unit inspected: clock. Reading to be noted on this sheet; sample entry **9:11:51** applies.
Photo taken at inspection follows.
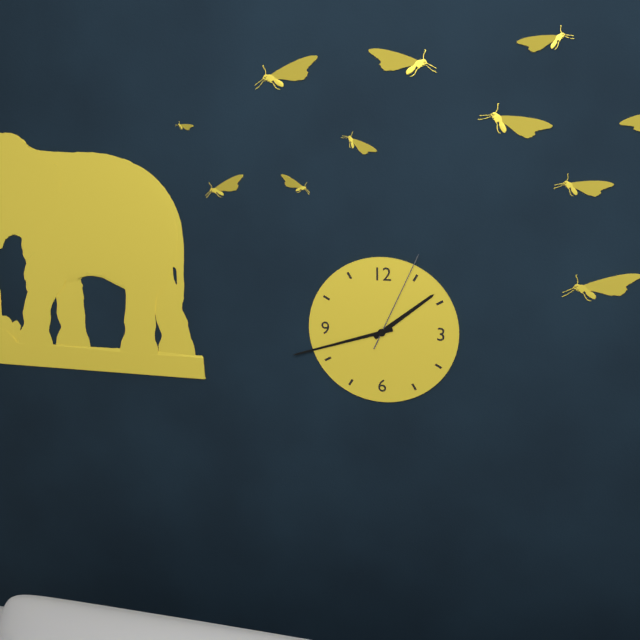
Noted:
**1:42:04**
